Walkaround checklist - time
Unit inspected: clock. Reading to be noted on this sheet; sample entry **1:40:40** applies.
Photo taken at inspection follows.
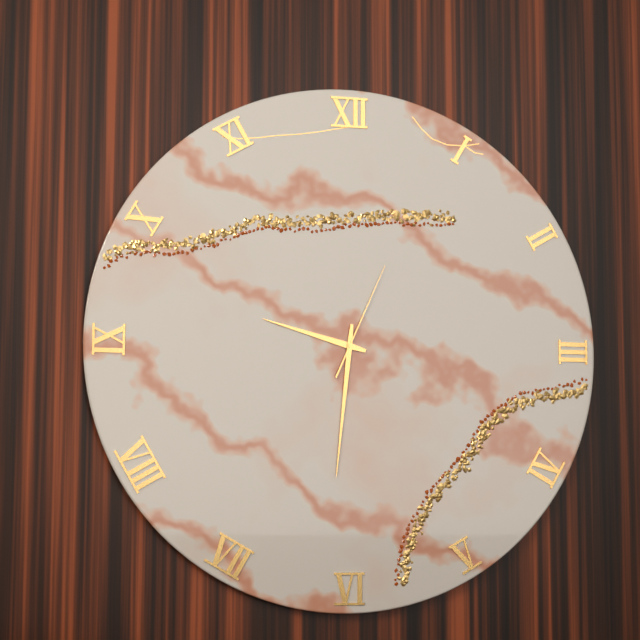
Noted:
**9:31:04**
